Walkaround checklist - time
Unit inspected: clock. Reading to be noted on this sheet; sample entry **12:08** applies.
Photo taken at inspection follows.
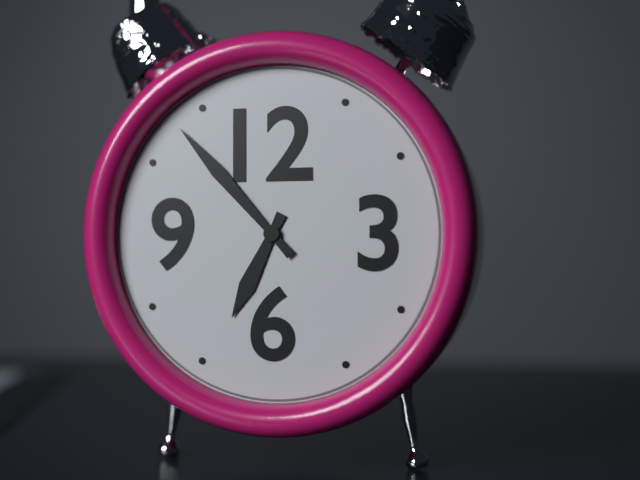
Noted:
**6:53**
